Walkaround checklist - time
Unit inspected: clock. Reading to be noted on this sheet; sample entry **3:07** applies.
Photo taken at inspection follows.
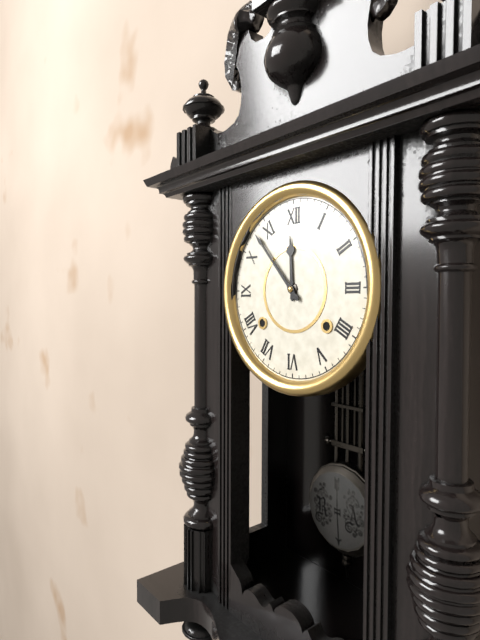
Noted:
**11:53**
